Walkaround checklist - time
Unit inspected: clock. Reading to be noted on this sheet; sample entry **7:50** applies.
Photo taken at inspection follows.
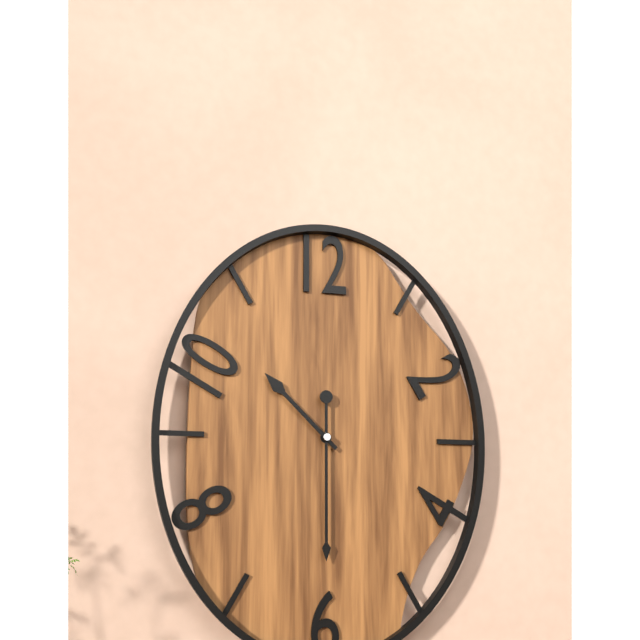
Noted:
**10:30**
